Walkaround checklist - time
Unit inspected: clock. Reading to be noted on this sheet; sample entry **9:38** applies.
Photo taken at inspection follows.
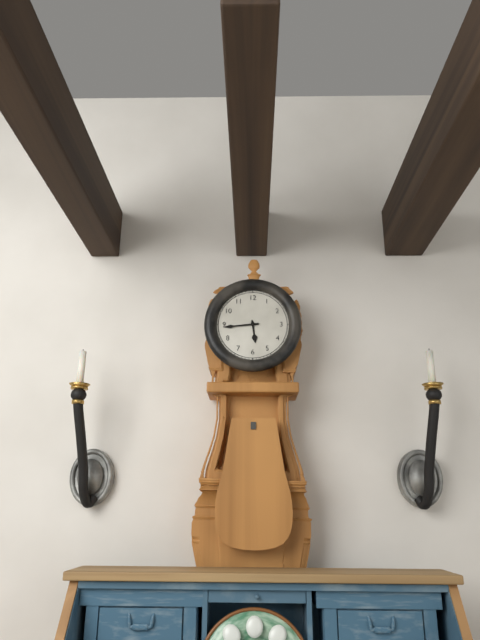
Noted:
**5:44**
